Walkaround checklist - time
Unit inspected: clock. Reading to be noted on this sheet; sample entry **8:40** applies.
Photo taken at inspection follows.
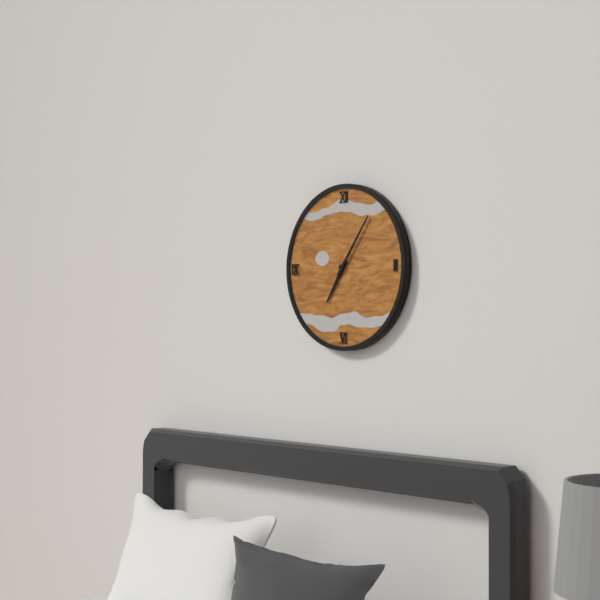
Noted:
**7:06**
